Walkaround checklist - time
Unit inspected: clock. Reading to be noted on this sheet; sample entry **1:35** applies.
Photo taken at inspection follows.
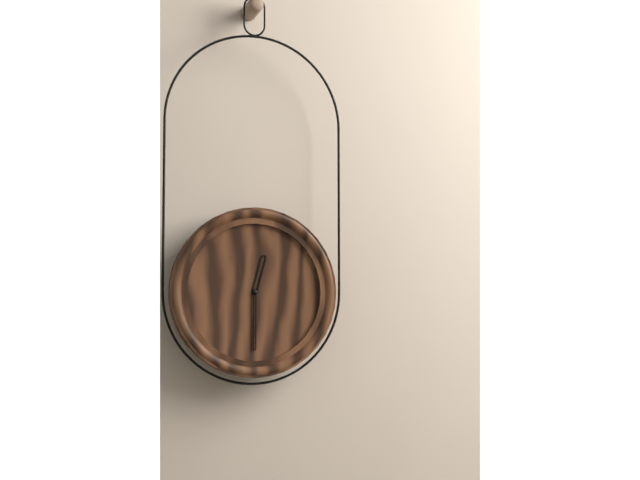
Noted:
**12:30**
